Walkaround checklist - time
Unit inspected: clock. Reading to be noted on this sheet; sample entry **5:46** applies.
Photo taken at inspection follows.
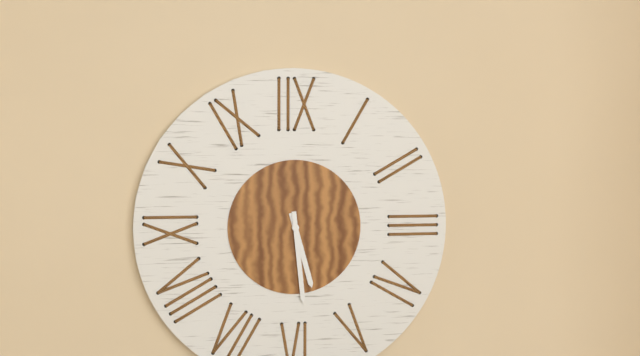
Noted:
**5:29**
